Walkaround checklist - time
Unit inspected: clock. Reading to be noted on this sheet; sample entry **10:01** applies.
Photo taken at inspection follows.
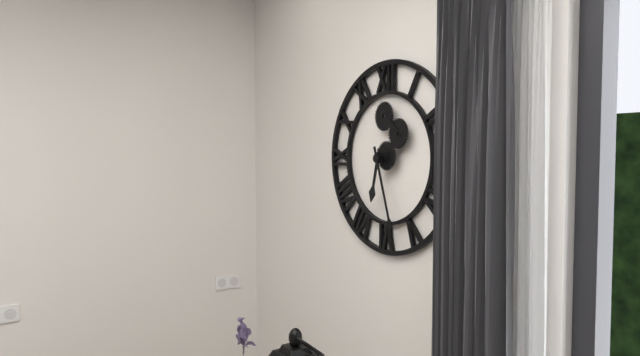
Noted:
**6:27**
